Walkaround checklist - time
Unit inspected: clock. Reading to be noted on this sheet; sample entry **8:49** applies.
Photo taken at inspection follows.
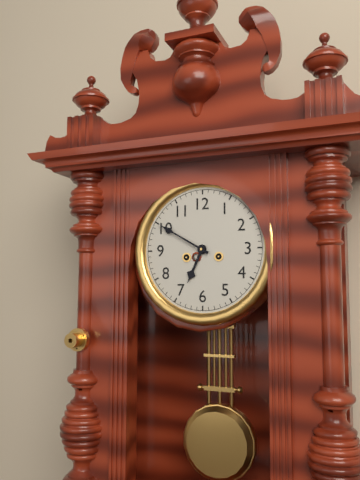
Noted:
**6:50**
